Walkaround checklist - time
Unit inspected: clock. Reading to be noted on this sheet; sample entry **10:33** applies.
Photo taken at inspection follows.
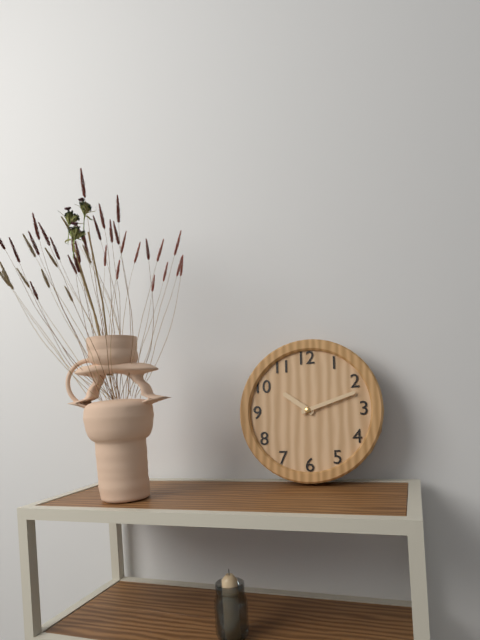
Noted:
**10:12**
